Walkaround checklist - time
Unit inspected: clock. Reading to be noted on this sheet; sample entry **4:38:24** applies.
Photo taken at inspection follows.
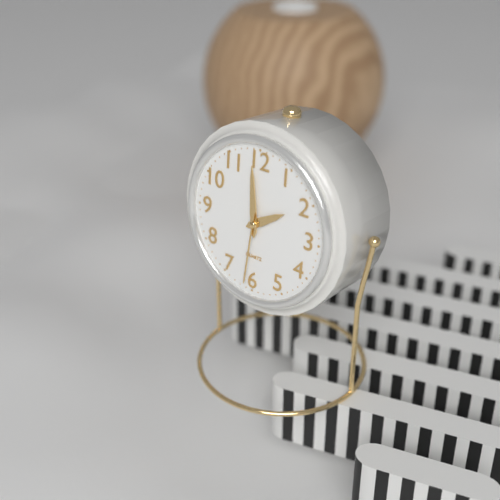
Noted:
**1:59:31**
